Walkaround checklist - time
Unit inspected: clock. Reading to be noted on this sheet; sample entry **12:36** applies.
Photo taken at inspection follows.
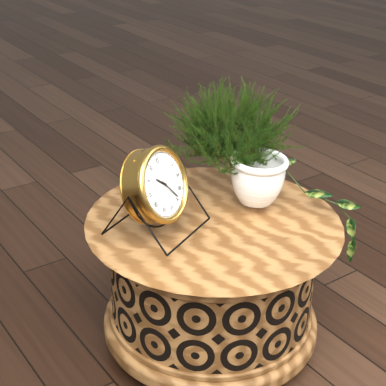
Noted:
**10:24**
